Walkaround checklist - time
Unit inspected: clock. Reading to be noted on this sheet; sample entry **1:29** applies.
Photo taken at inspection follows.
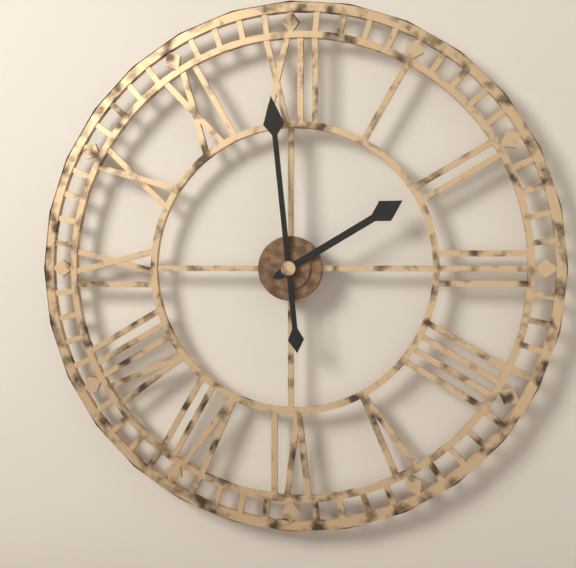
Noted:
**1:59**
